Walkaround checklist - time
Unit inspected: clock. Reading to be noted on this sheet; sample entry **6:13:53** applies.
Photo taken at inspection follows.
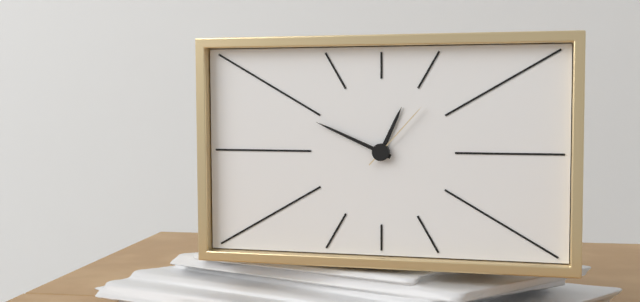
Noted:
**12:49:07**
